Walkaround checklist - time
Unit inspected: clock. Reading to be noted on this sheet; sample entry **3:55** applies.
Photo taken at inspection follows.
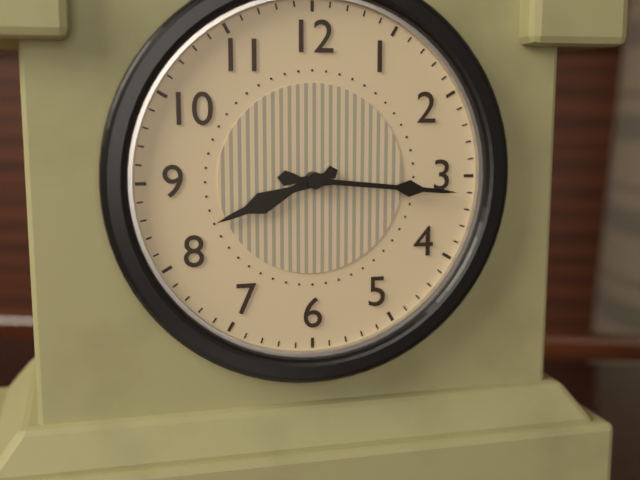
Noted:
**8:16**
